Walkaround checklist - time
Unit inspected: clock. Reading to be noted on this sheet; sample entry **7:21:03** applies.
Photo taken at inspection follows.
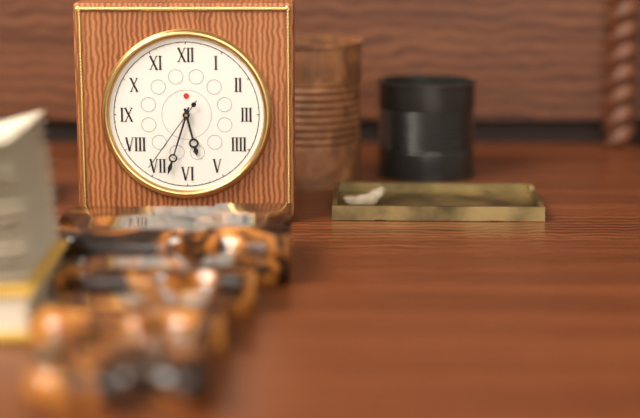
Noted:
**5:33:36**
